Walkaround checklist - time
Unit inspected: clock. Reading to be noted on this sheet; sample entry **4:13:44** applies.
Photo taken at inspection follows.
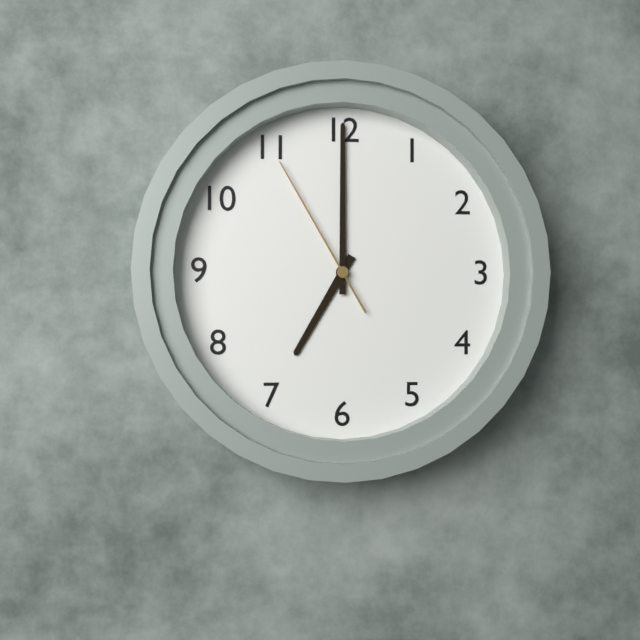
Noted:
**7:00:55**
